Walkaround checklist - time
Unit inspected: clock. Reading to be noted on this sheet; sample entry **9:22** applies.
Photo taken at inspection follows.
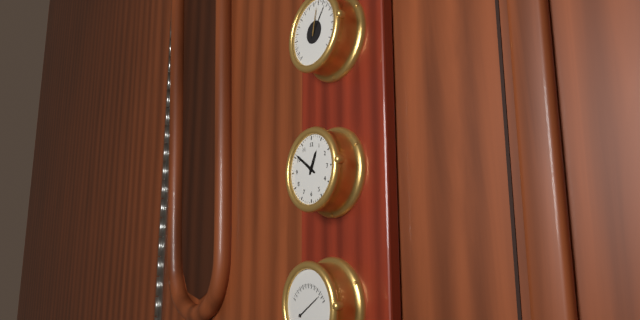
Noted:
**12:51**
